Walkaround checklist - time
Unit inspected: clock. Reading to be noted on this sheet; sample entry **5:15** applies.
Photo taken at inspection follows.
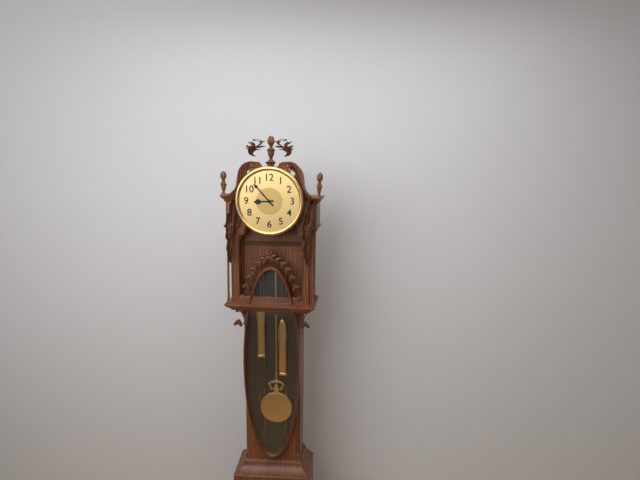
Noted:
**8:53**
